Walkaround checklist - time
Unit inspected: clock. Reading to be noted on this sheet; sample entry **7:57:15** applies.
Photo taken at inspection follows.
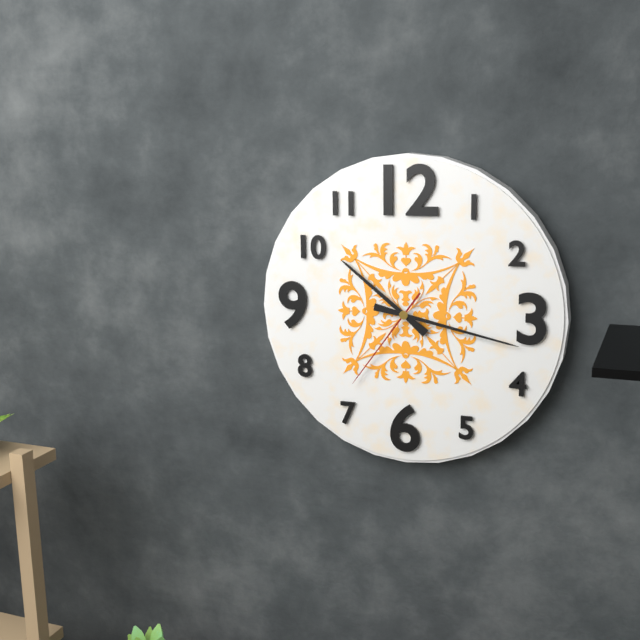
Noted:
**10:17:36**
